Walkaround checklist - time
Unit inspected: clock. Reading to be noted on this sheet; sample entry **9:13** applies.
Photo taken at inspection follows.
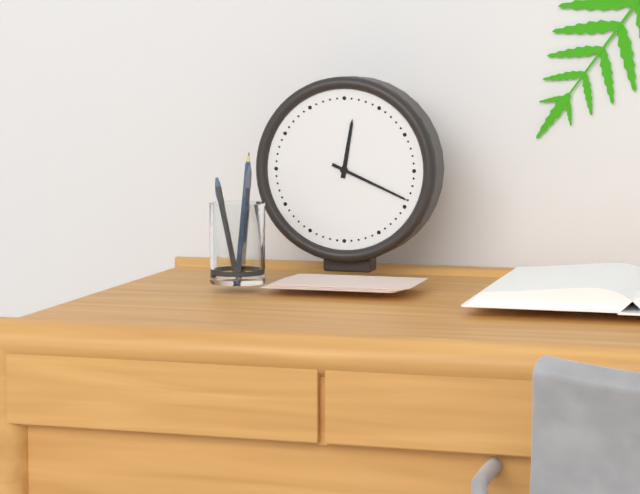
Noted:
**12:19**
